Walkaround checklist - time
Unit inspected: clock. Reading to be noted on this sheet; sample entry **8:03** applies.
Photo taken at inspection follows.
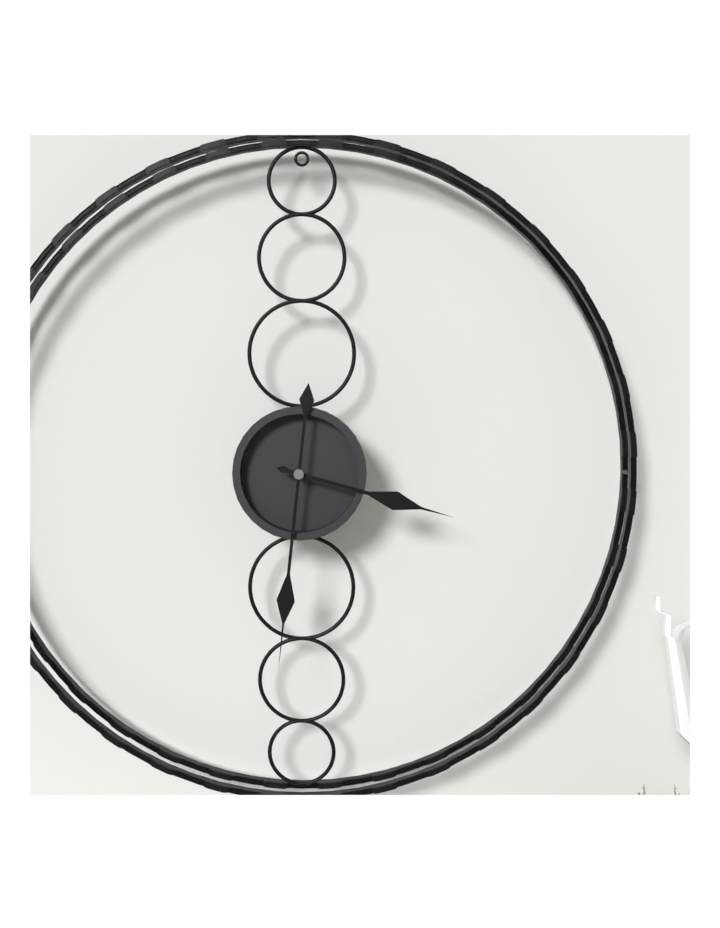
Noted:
**3:31**
